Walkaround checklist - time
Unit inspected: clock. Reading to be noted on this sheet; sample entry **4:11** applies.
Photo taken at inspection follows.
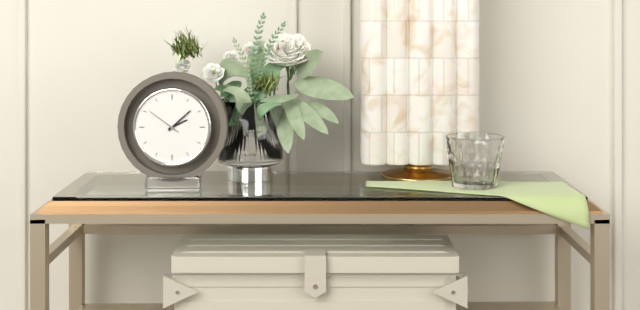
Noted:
**2:08**
